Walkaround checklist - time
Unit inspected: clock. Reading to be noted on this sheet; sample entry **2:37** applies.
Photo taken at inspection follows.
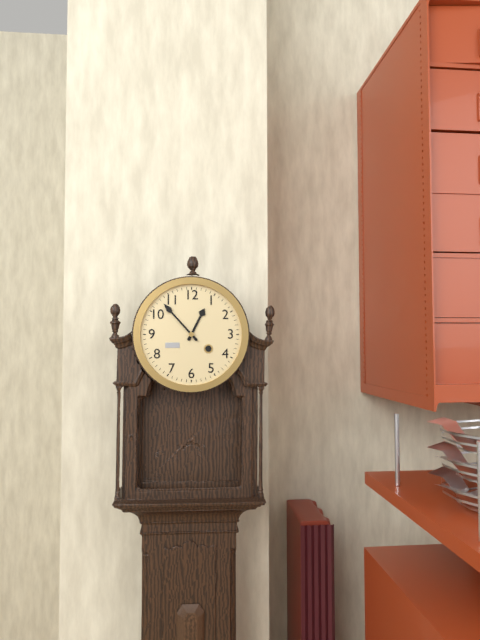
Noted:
**12:53**
